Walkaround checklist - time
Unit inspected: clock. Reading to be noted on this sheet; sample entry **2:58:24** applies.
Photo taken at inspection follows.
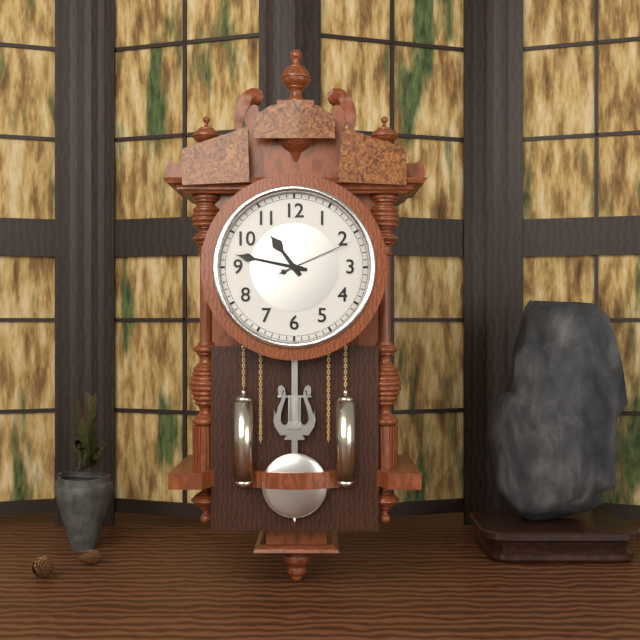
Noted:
**10:47:11**
